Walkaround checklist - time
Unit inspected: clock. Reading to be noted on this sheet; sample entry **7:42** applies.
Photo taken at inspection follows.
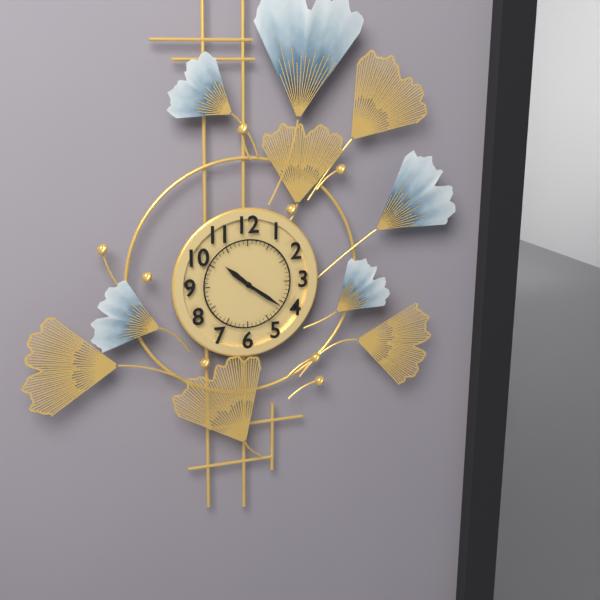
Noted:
**10:21**
